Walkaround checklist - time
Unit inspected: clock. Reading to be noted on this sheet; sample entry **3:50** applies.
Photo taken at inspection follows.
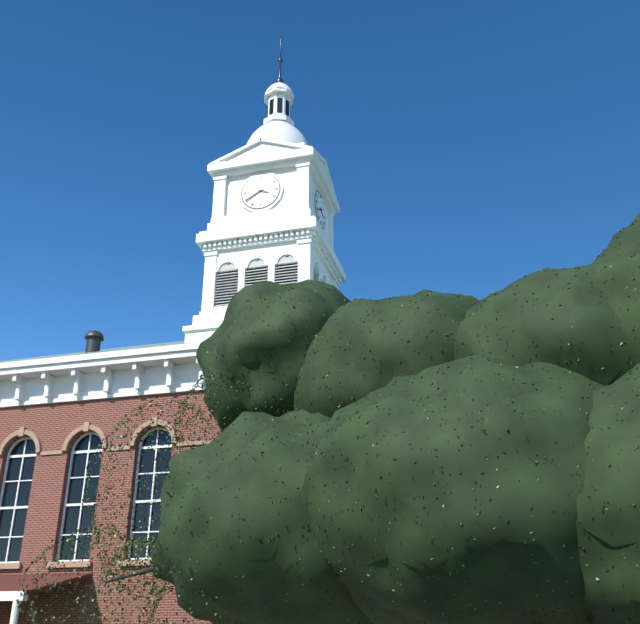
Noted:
**3:40**
